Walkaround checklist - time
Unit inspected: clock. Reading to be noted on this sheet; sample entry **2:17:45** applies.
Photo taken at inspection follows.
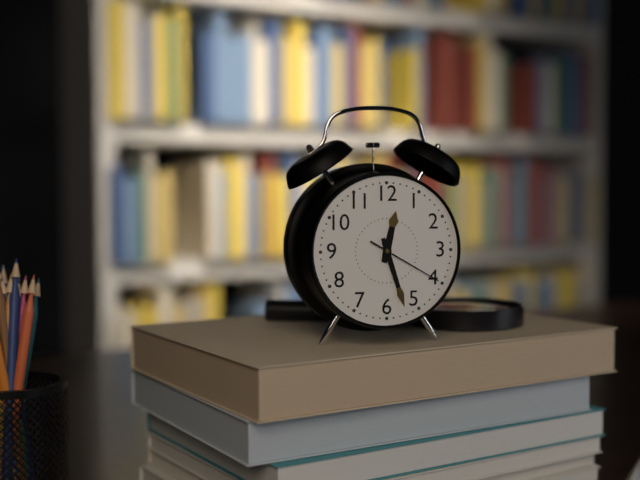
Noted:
**12:27:20**
